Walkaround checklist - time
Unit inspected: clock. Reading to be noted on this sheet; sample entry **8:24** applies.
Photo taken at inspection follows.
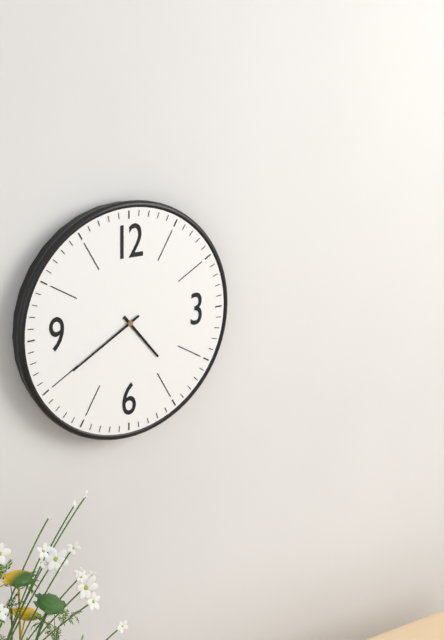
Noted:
**4:40**
